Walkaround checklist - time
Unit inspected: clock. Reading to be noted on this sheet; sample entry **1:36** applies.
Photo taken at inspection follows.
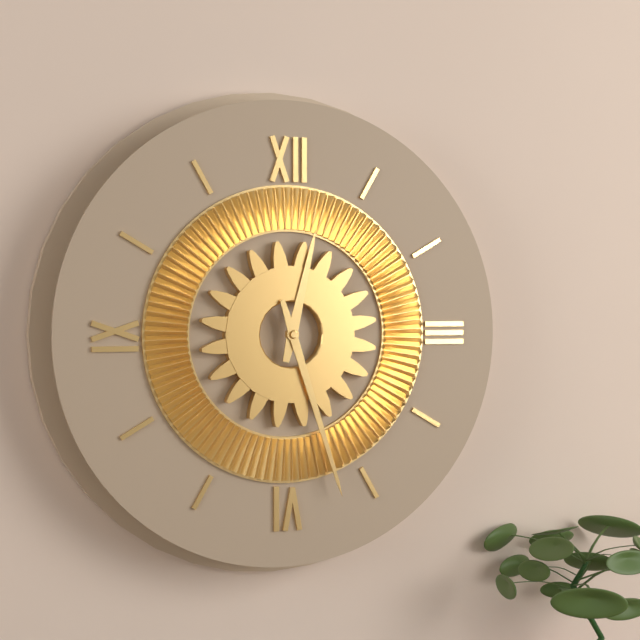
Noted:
**12:27**
